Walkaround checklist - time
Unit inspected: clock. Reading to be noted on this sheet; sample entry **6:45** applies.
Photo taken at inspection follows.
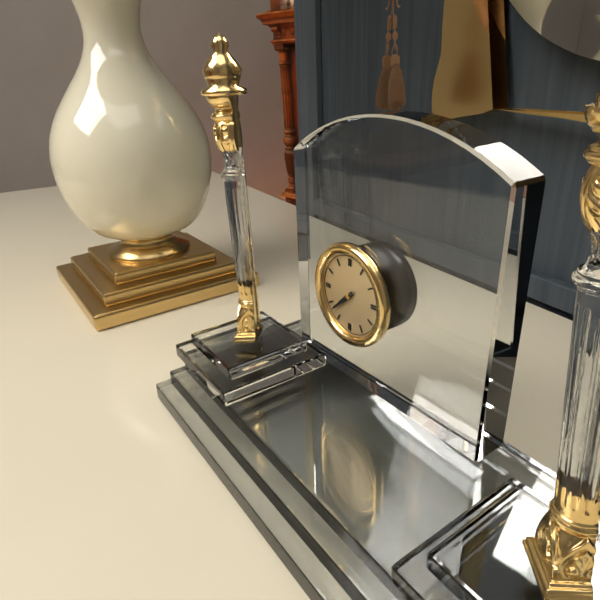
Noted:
**7:38**
